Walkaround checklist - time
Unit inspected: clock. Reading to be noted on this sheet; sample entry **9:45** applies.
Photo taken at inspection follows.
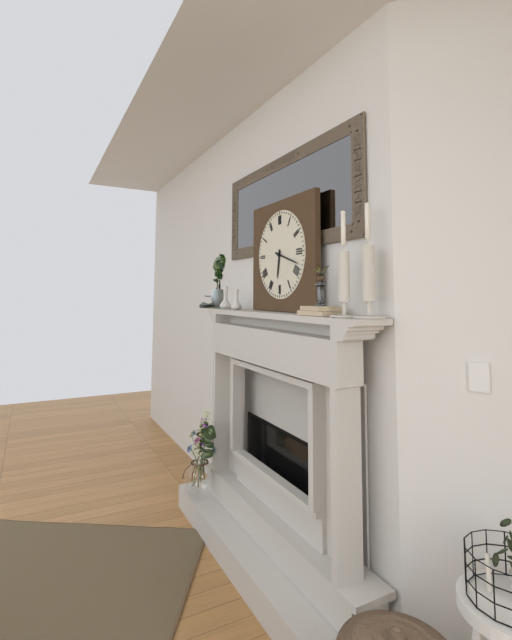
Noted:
**6:18**
